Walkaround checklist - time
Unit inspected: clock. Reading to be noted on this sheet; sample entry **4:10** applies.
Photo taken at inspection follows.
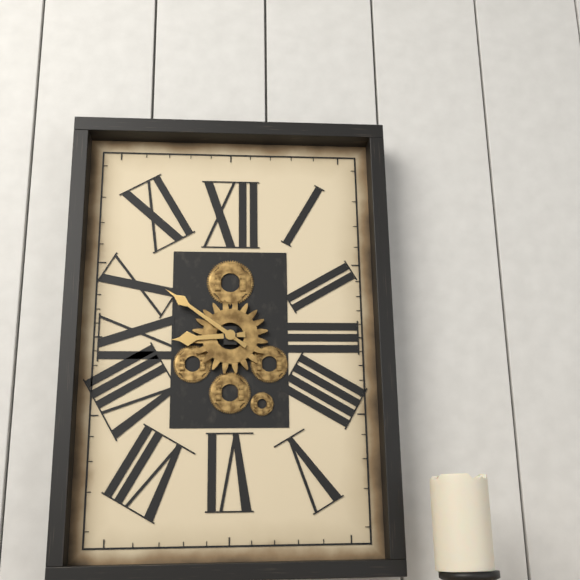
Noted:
**8:51**
